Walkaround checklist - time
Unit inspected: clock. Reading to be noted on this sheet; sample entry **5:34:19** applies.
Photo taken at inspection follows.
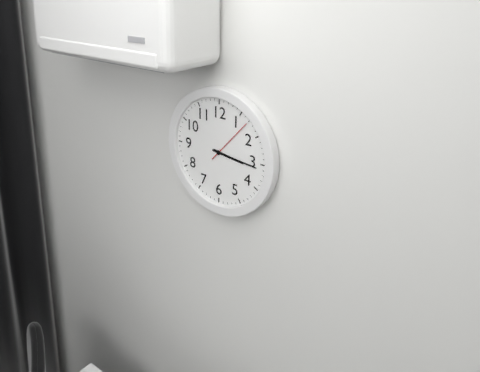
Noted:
**3:16:07**
